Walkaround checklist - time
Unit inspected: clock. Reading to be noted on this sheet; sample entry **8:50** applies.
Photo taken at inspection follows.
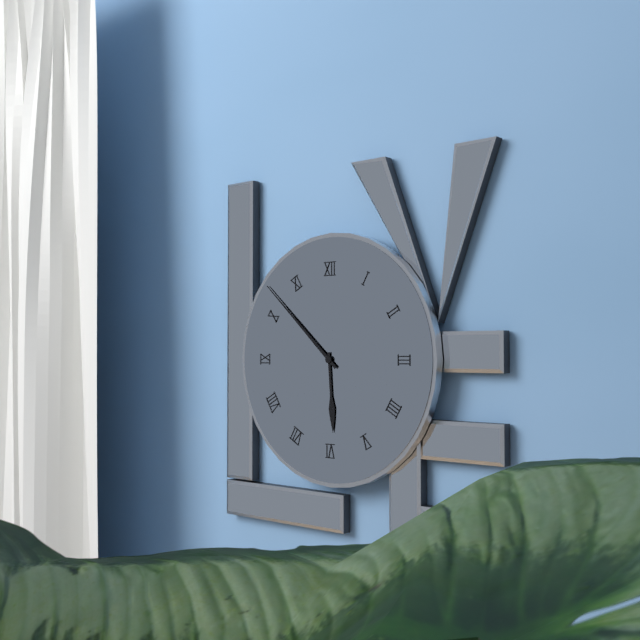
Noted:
**5:52**
